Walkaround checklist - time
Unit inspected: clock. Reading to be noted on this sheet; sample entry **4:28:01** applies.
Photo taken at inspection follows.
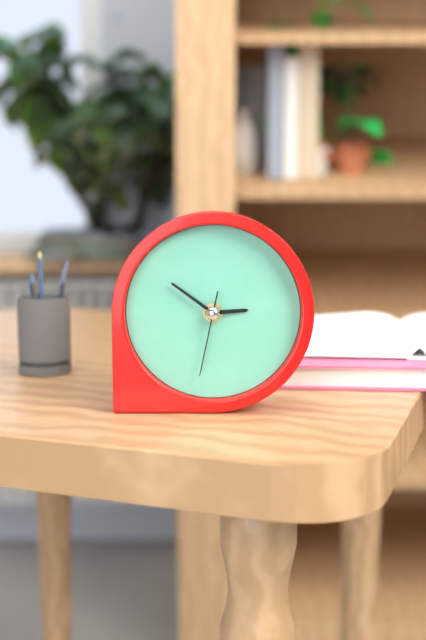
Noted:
**2:51:32**
